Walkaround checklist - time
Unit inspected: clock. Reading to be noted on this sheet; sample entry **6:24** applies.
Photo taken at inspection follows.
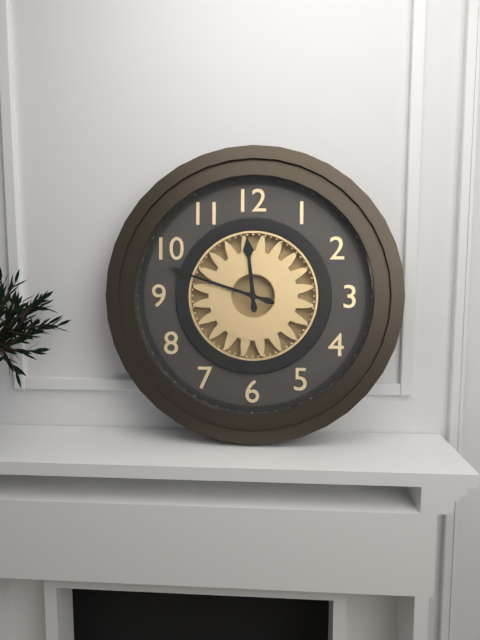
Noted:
**11:48**
